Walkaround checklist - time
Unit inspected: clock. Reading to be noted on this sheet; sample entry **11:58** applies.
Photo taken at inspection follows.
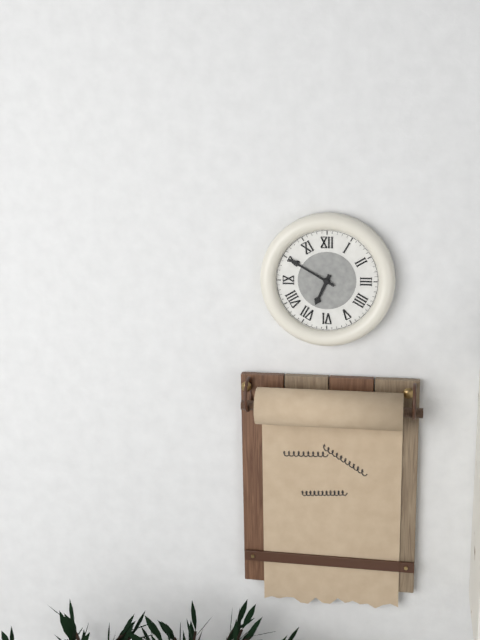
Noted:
**6:50**
